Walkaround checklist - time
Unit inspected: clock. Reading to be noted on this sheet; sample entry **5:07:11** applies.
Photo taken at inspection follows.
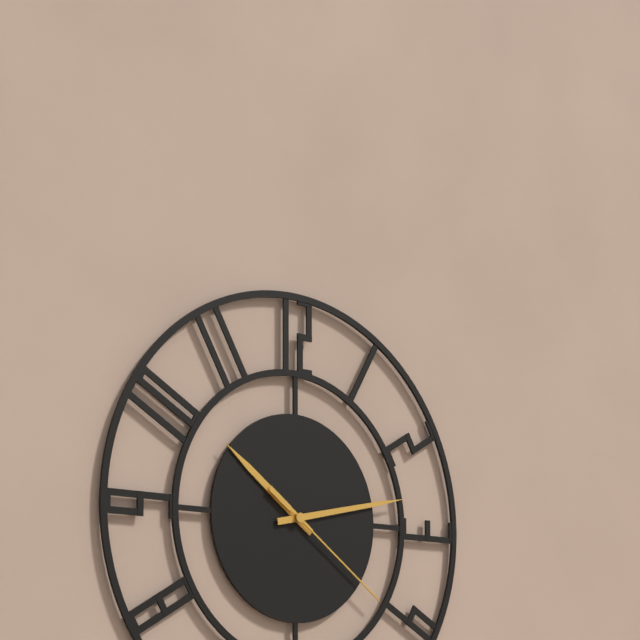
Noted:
**10:13:21**
